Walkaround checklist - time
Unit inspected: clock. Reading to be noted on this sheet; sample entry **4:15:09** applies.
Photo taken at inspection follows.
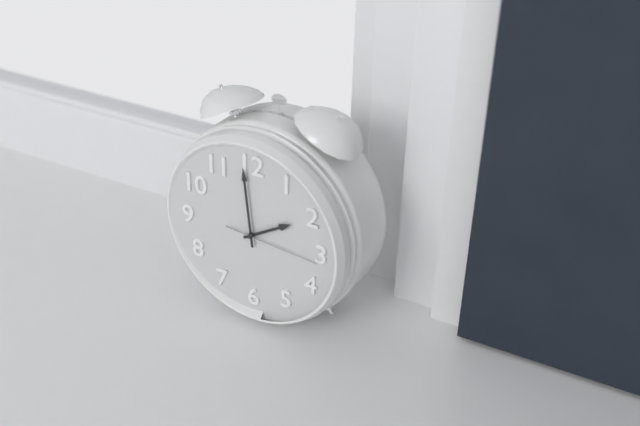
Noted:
**1:59:16**
